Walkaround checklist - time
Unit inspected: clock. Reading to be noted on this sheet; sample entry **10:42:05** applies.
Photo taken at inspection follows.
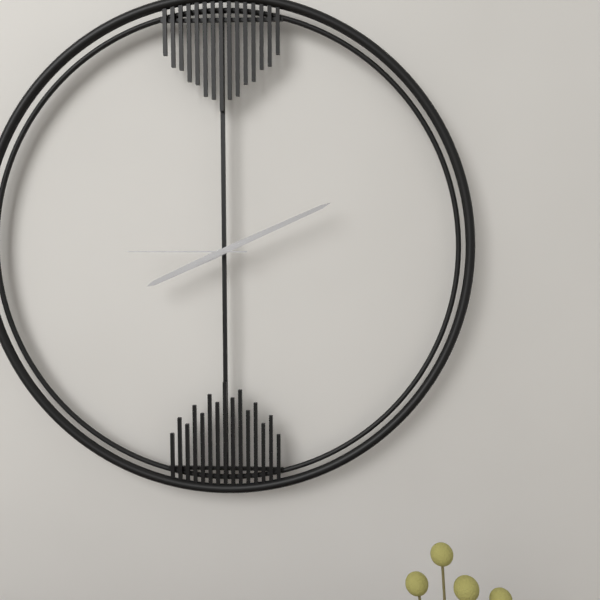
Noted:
**8:11:45**
